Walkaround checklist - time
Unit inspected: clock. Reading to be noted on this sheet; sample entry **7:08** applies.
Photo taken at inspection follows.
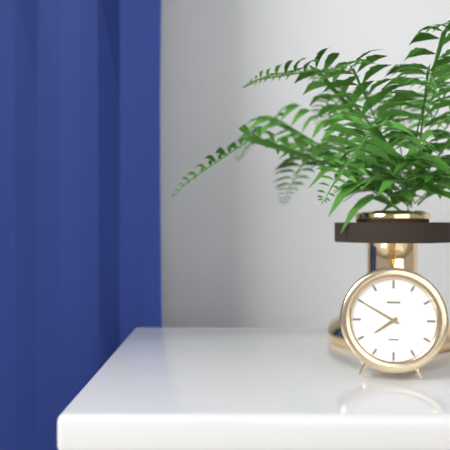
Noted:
**7:50**
